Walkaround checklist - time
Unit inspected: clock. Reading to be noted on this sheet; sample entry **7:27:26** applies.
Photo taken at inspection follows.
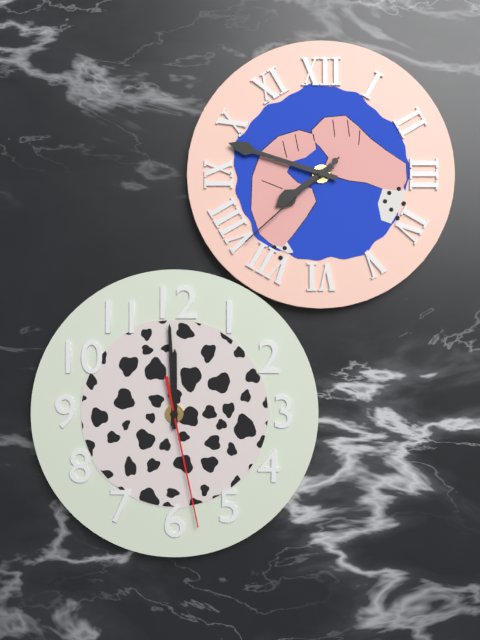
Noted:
**7:48:38**
